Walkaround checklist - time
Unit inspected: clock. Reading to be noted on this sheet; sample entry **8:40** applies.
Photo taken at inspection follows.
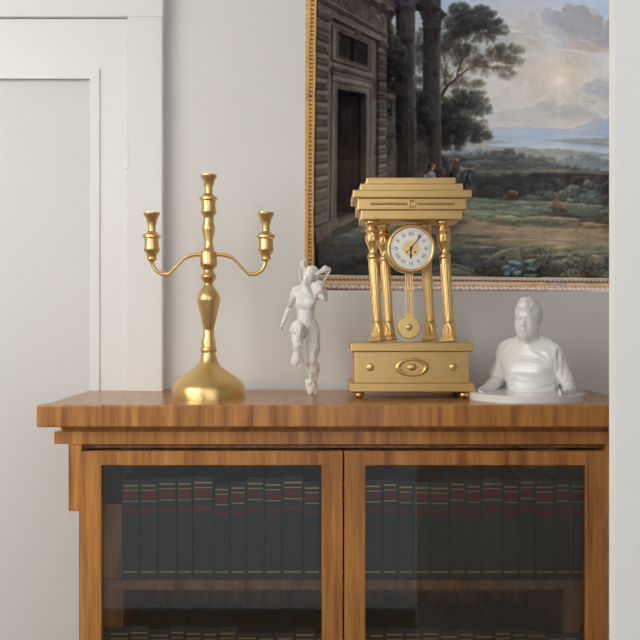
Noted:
**6:06**
